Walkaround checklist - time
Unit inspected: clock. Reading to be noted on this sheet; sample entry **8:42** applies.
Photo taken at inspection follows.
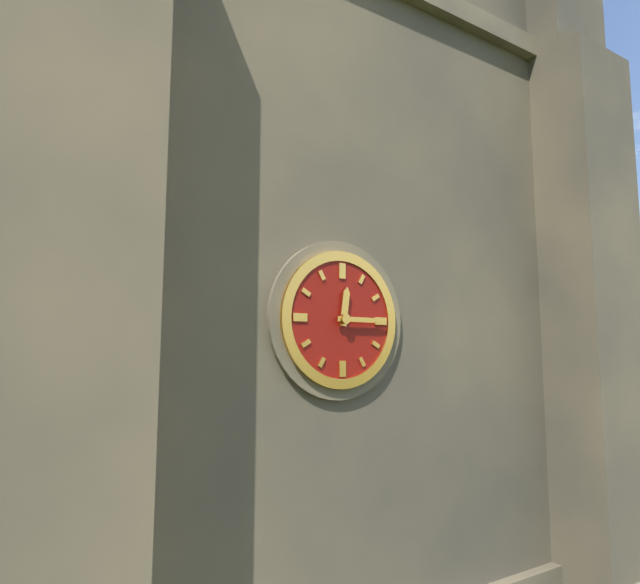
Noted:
**12:15**
